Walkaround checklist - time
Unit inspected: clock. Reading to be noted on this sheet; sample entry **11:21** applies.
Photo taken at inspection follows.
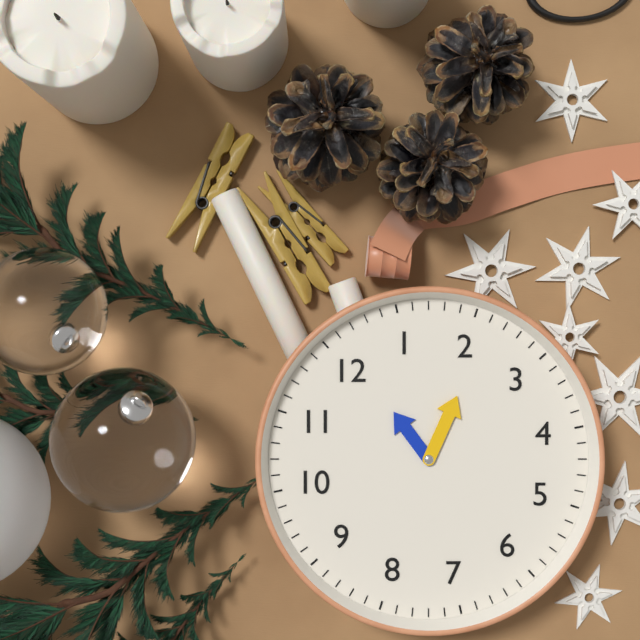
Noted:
**12:11**
